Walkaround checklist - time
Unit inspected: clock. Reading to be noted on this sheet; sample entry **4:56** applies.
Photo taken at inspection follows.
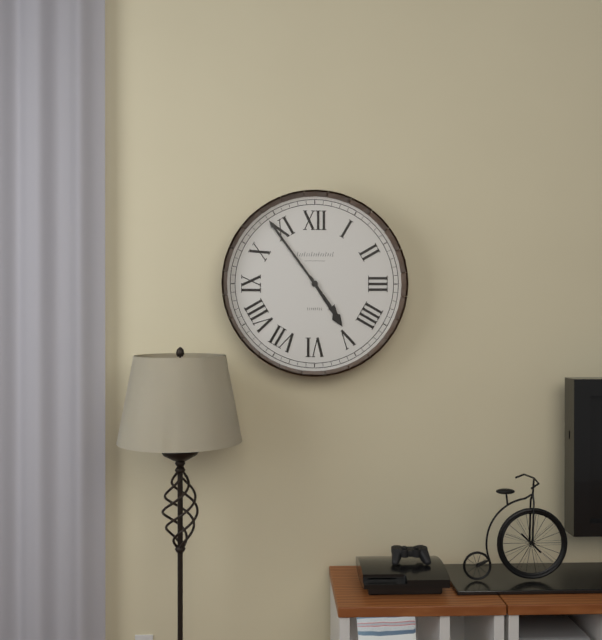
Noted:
**4:54**
